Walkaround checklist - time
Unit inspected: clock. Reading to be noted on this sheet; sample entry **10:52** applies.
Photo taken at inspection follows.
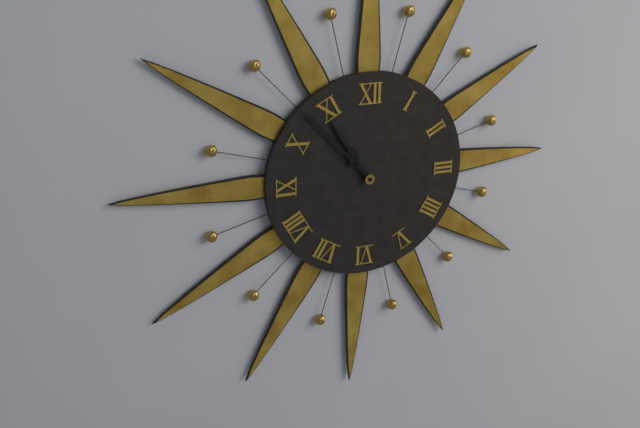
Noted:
**10:53**
